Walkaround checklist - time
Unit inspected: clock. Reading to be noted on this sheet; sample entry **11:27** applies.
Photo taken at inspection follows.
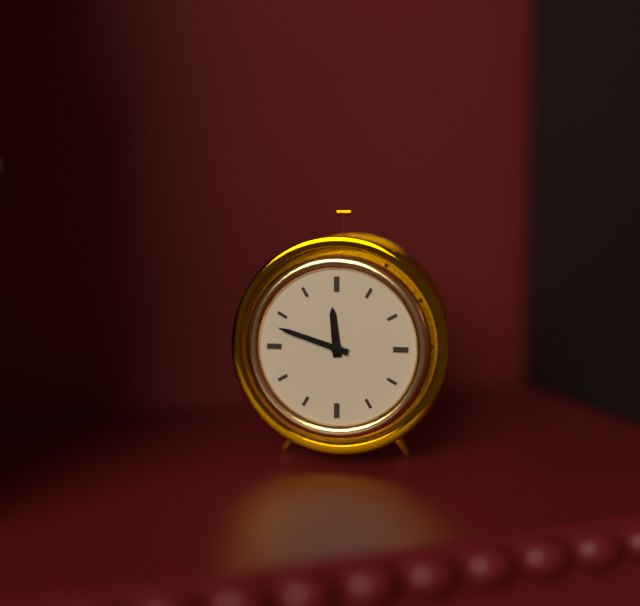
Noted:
**11:48**
